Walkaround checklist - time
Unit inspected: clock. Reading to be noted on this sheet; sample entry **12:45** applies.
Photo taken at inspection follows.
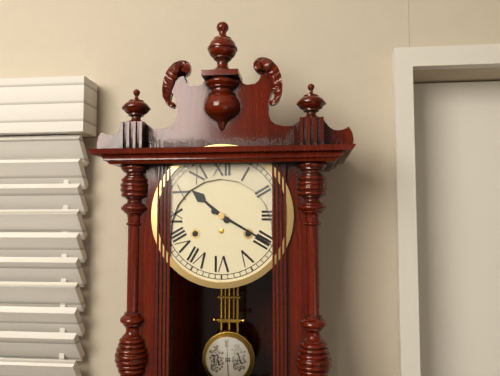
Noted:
**10:20**
